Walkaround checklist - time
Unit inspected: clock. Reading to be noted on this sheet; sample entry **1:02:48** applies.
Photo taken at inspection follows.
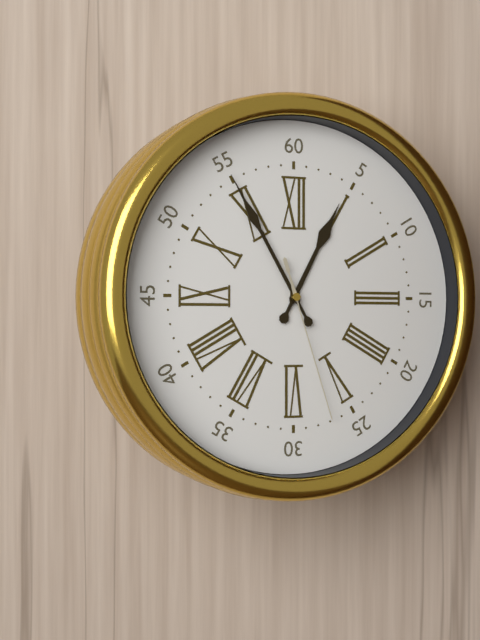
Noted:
**12:55:27**
